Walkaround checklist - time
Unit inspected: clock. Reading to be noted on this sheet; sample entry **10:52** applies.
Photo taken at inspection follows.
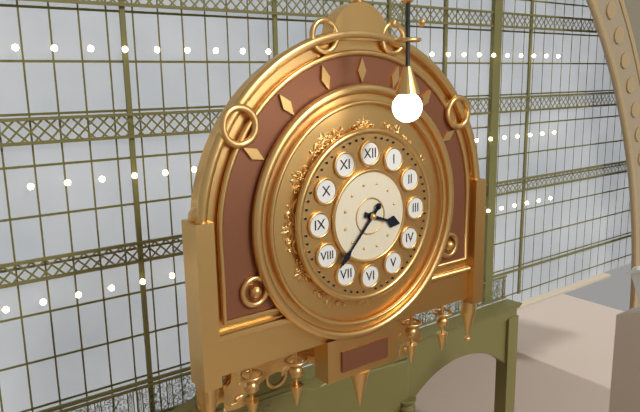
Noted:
**3:37**
